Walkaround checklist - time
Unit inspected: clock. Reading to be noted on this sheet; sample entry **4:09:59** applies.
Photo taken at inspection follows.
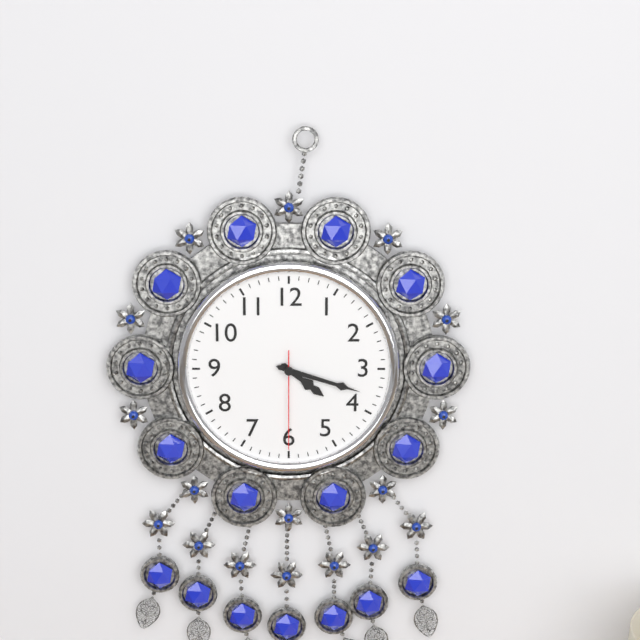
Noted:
**4:18:30**
